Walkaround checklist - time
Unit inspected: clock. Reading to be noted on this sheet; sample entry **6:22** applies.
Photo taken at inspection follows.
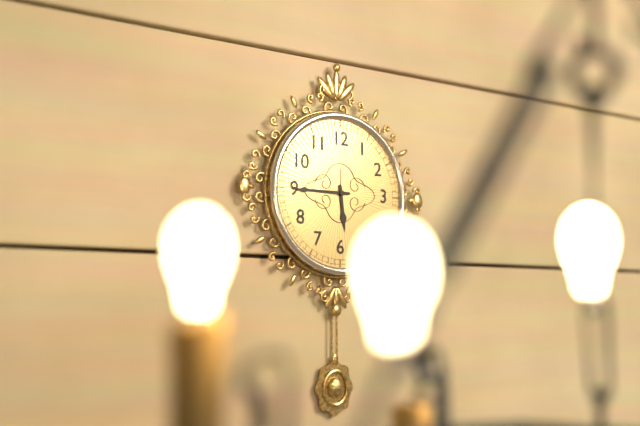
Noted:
**5:45**
